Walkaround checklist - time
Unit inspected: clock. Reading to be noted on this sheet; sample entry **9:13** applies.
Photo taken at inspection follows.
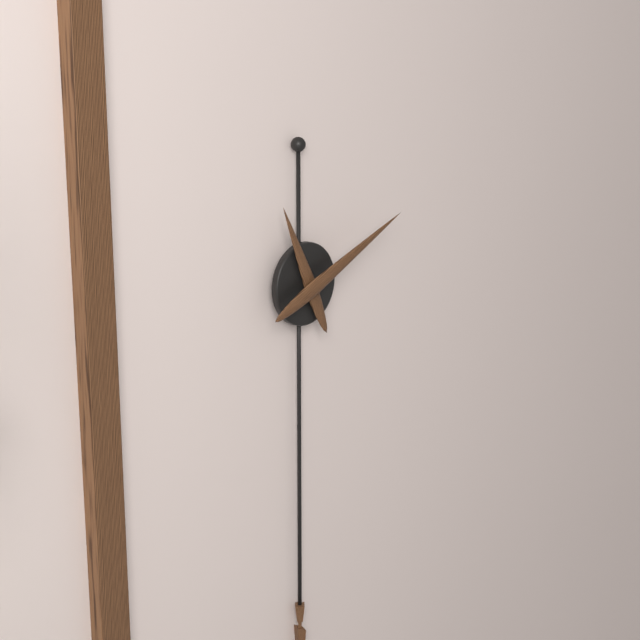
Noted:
**11:11**
